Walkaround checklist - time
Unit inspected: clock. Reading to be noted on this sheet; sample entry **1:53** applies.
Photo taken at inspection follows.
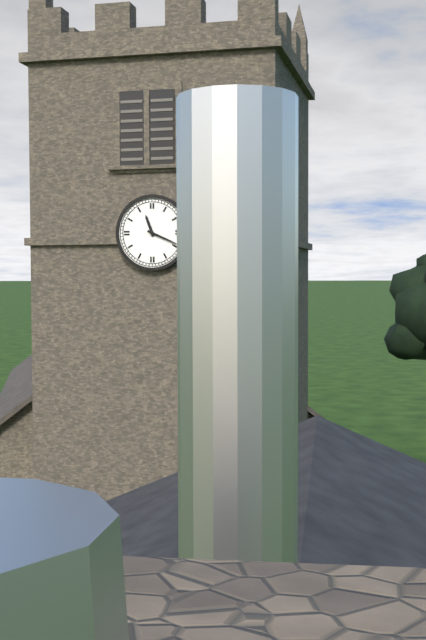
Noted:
**11:19**
